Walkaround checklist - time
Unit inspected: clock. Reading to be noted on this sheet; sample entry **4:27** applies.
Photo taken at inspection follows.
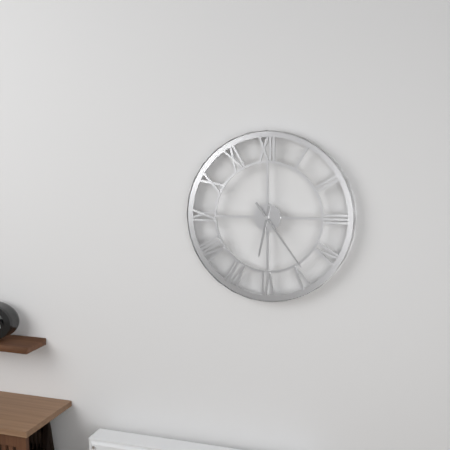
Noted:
**6:24**
